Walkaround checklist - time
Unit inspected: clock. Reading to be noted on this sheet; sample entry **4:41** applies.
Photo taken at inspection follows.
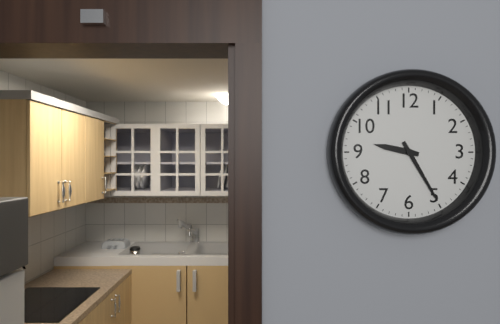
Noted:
**9:25**
